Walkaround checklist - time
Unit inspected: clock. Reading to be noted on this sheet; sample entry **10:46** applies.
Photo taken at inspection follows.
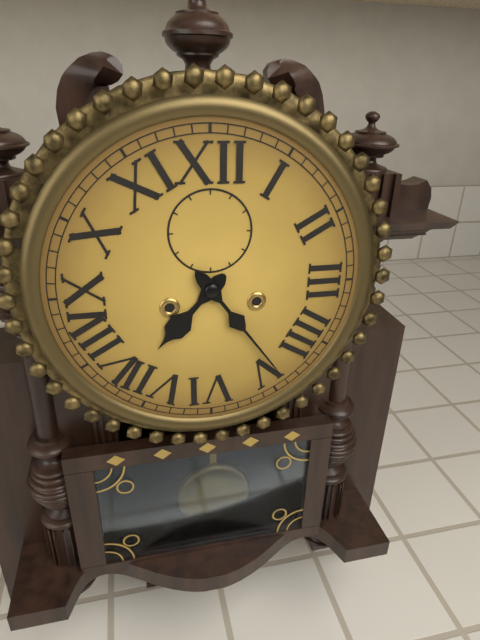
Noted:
**7:24**
